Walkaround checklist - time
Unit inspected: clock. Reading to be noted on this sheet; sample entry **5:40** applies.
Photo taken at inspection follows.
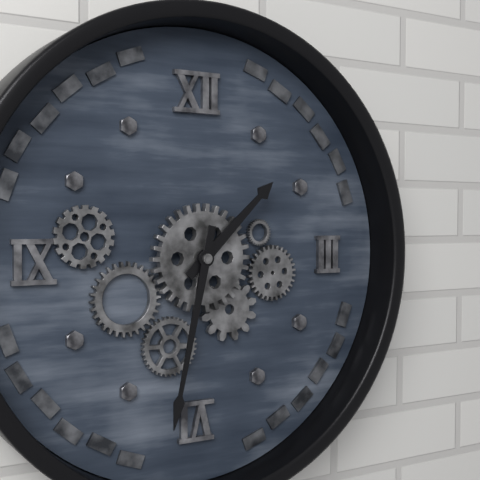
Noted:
**1:32**
